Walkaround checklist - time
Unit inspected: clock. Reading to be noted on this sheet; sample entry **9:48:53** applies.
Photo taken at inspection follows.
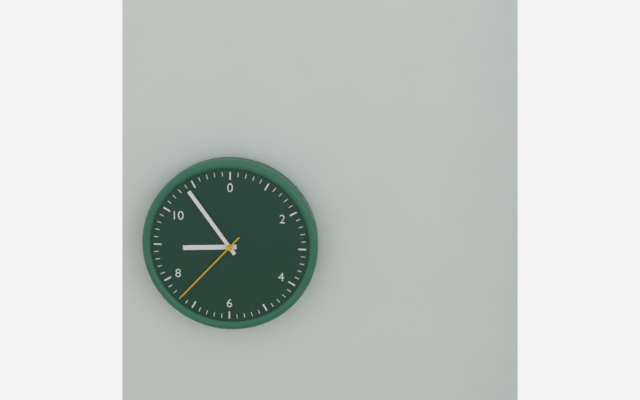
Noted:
**8:54:37**
